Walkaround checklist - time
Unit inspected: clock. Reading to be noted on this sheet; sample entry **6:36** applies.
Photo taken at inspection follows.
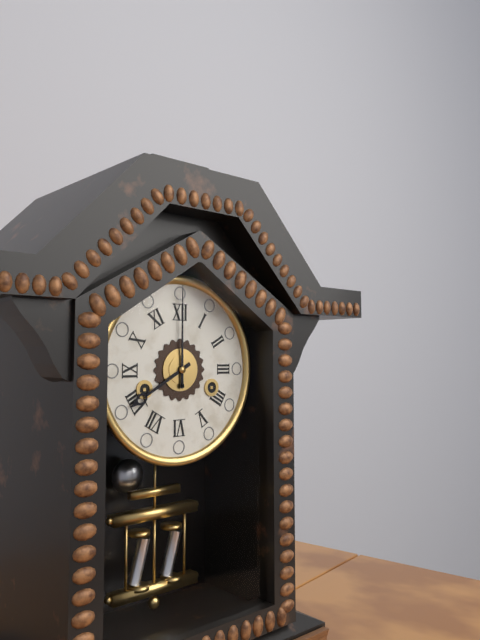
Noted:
**8:00**
